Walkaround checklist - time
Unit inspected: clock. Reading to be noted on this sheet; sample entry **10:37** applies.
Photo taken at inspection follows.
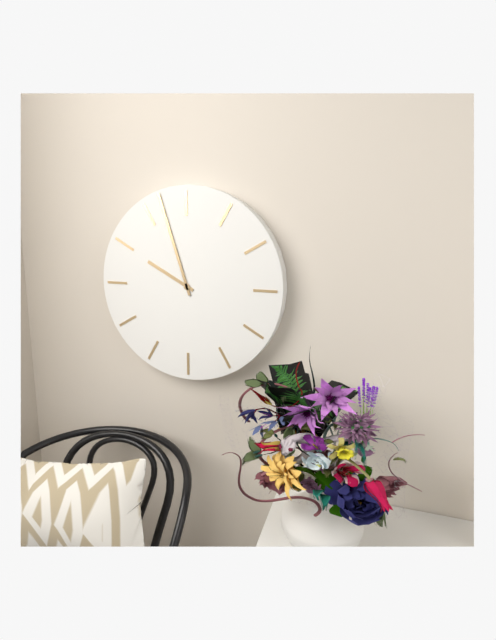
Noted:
**9:57**
